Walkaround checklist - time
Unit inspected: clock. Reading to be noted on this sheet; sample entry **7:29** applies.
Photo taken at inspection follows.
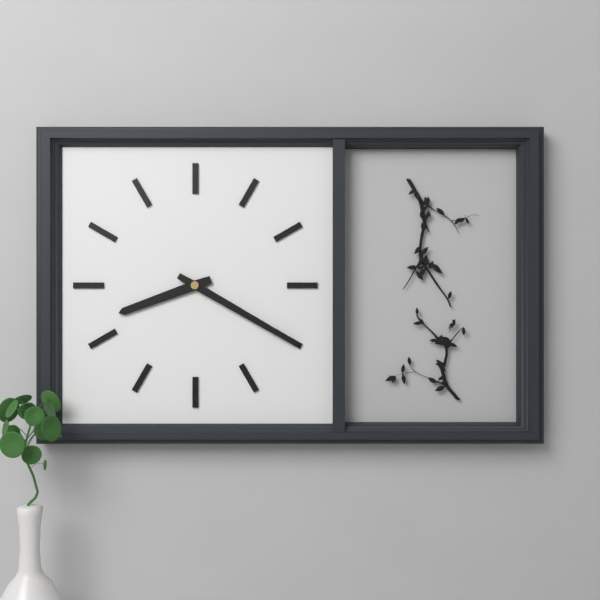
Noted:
**8:20**
